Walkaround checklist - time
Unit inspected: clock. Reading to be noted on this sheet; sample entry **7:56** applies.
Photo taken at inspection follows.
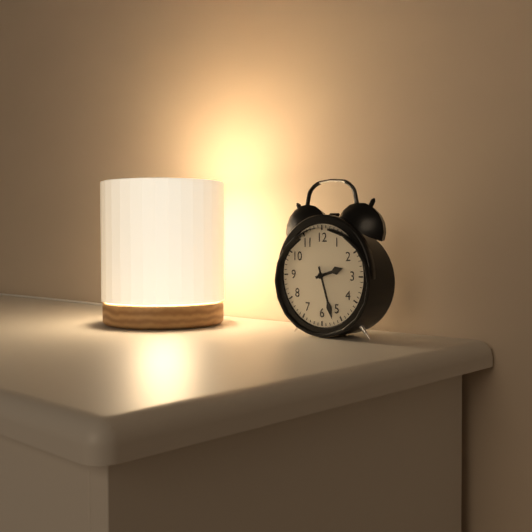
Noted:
**2:27**
